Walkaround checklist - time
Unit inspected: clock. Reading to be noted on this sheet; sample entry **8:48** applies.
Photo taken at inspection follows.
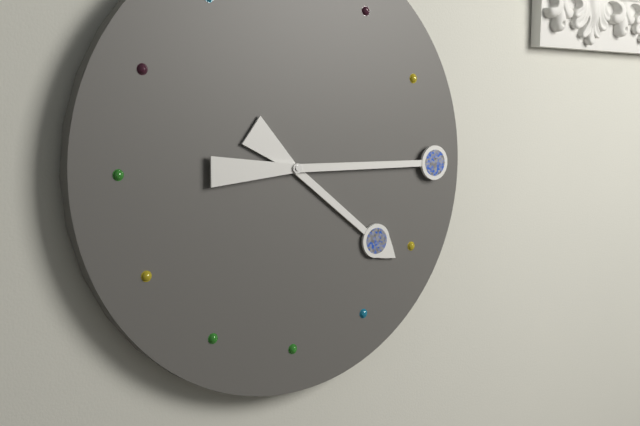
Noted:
**4:15**
